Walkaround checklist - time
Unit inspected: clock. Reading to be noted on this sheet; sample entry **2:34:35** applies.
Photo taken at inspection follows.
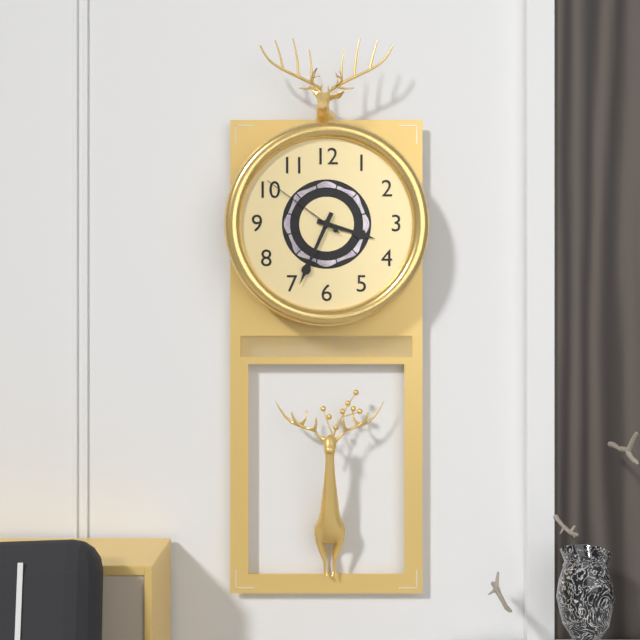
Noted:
**3:34:51**
